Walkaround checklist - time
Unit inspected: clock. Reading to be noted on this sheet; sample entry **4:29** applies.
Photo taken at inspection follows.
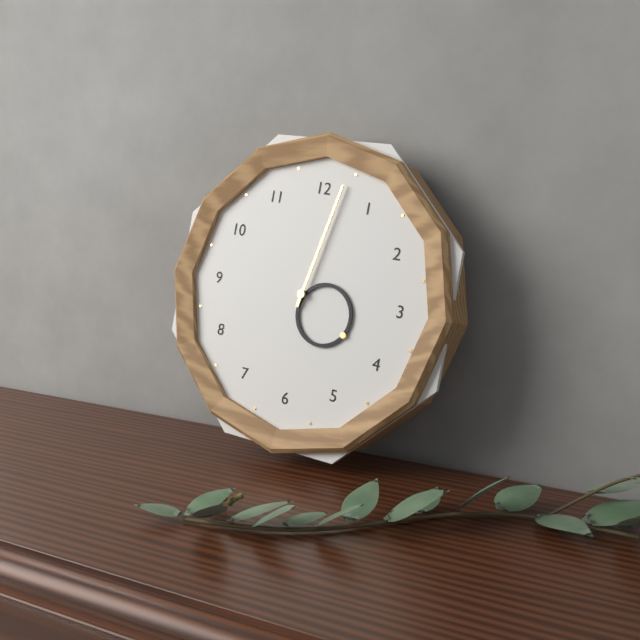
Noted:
**4:02**
